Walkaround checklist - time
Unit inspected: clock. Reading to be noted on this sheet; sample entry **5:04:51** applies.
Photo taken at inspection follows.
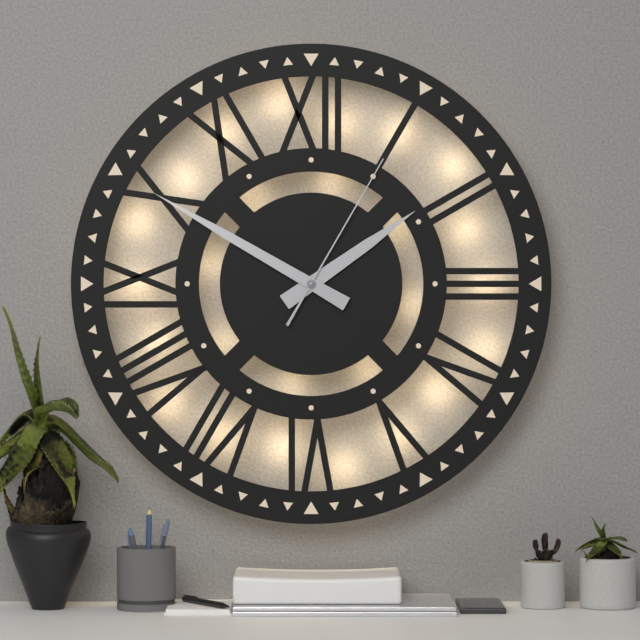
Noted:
**1:50:05**
